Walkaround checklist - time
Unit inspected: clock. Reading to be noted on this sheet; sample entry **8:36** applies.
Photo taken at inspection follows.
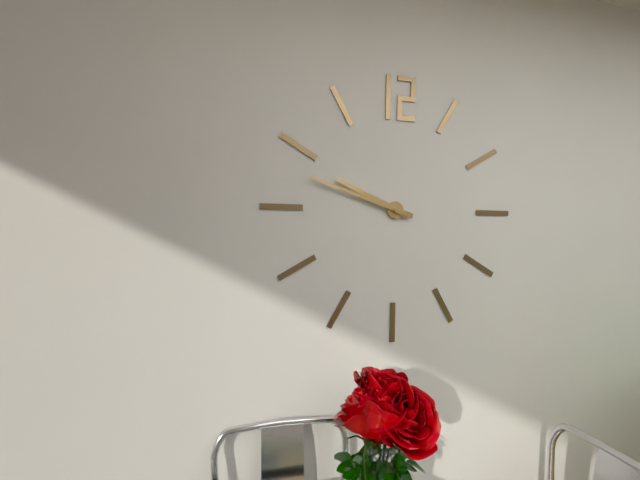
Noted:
**9:48**
